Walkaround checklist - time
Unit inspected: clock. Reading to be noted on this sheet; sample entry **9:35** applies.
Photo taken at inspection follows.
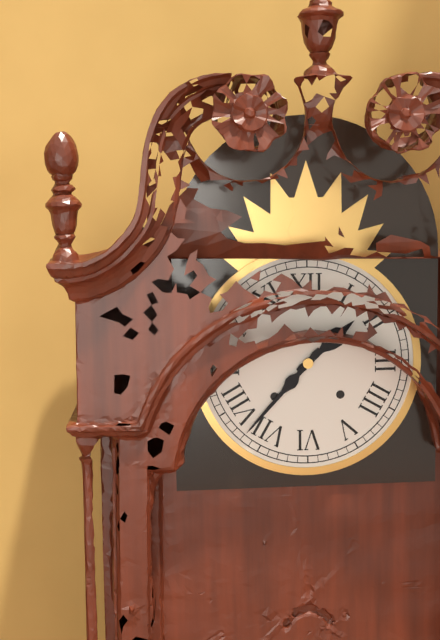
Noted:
**1:37**
